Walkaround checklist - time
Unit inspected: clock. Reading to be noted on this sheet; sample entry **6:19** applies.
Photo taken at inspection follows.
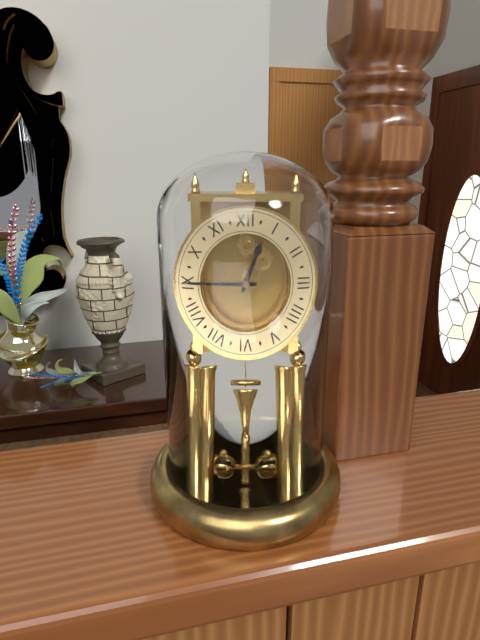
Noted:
**12:45**
